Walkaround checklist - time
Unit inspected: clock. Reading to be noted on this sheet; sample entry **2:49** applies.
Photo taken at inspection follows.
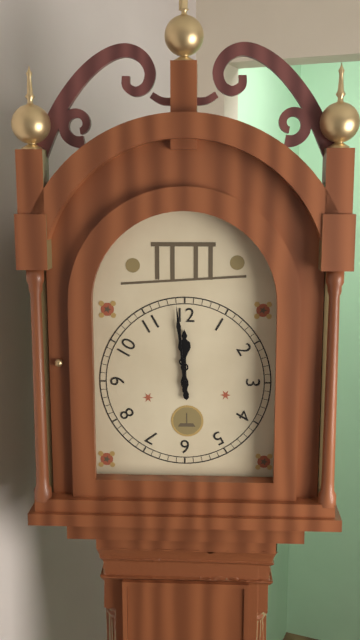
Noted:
**11:59**
